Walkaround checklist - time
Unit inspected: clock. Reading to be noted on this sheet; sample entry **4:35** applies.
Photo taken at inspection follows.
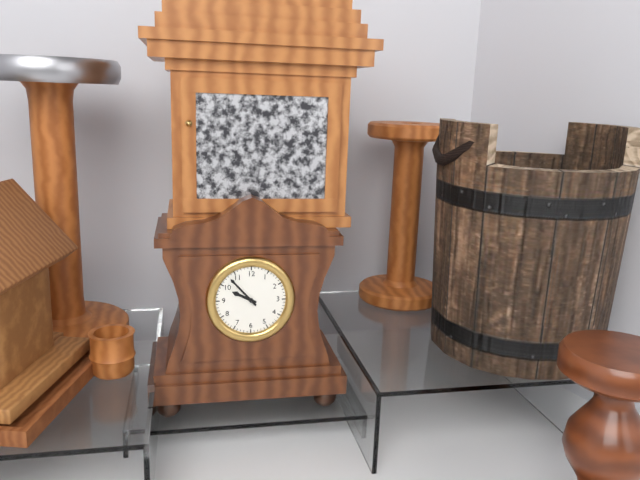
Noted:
**9:53**
